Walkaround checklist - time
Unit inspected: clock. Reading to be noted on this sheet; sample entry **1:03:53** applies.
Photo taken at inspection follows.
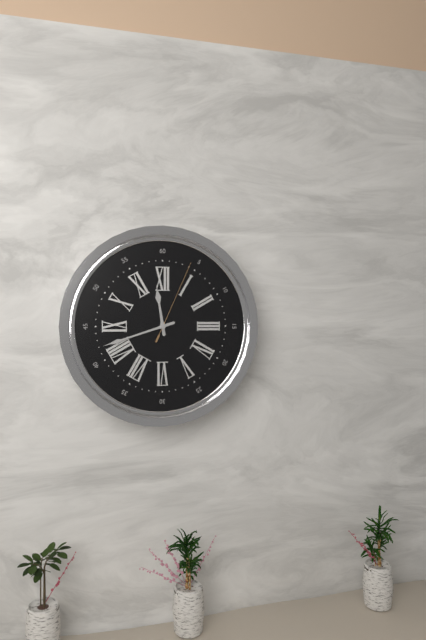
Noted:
**11:42:04**
